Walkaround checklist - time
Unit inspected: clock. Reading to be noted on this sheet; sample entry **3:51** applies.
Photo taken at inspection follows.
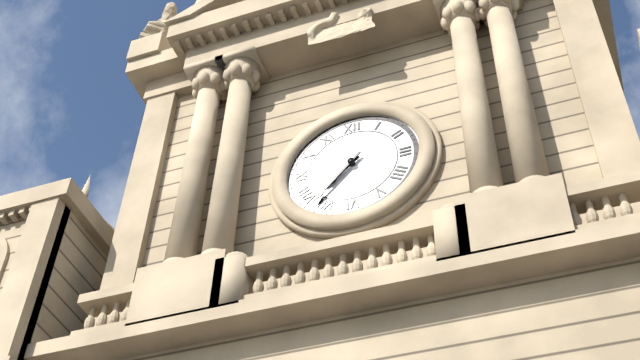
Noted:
**7:37**
